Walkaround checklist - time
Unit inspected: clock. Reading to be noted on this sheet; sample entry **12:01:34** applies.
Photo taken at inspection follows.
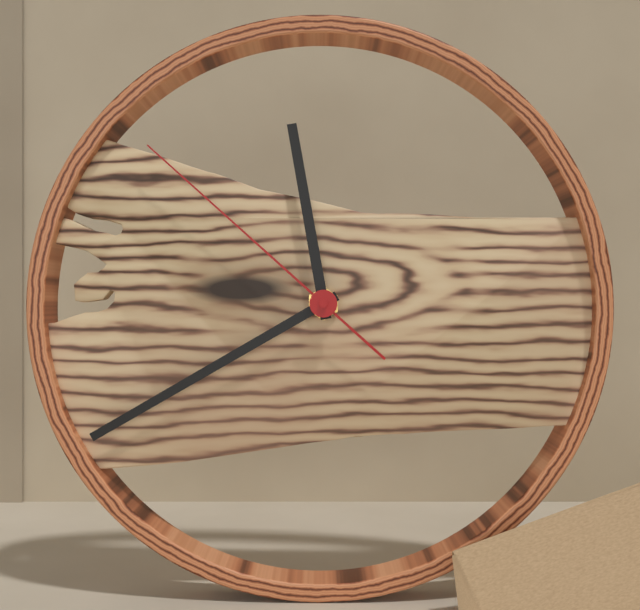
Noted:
**11:40:52**
